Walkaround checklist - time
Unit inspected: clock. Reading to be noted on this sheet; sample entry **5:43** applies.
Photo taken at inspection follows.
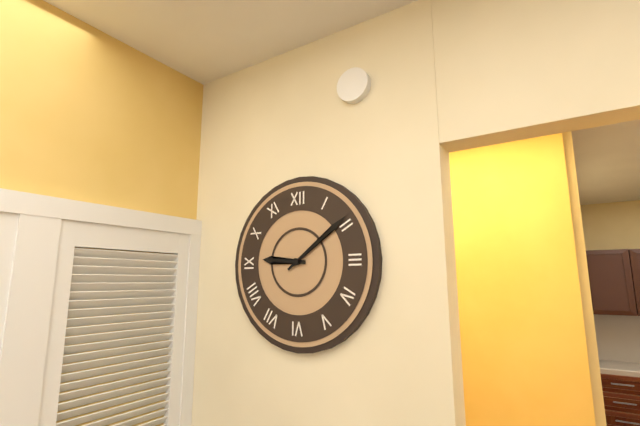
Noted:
**9:09**
